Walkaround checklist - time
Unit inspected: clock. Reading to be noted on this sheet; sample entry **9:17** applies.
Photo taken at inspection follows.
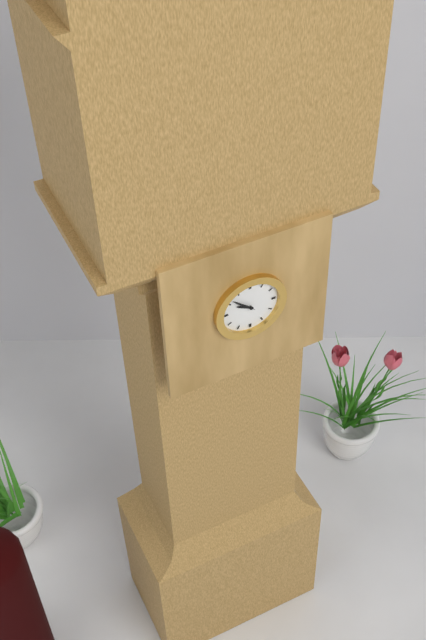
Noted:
**9:52**
